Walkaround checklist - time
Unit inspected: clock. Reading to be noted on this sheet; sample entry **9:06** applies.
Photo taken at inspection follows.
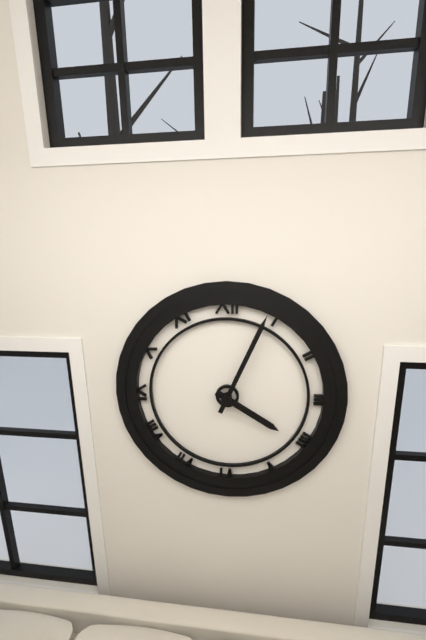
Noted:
**4:04**
